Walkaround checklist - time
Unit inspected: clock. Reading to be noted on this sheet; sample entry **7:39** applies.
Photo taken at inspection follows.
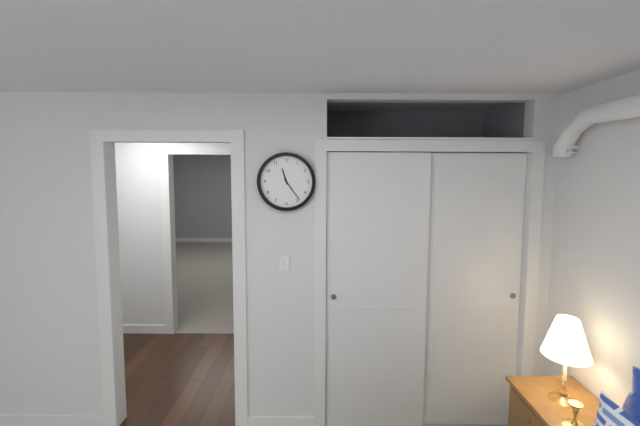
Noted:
**11:24**
